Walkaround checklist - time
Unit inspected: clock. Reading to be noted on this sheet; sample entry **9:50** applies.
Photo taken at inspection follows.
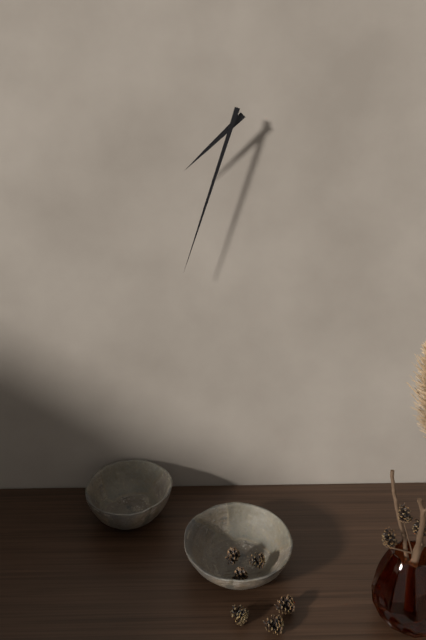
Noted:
**7:33**
